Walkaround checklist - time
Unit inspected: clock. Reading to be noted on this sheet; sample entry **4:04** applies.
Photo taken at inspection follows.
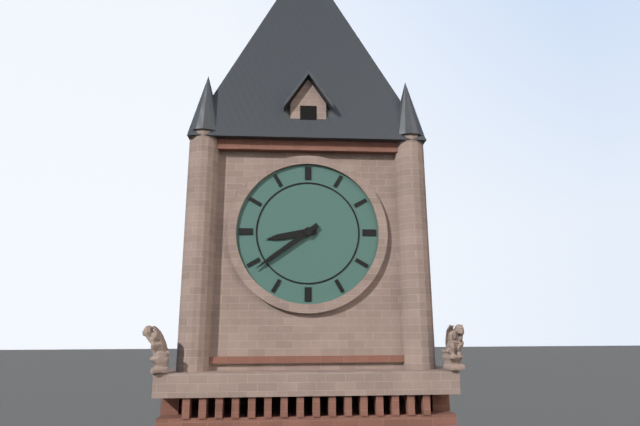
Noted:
**8:39**
